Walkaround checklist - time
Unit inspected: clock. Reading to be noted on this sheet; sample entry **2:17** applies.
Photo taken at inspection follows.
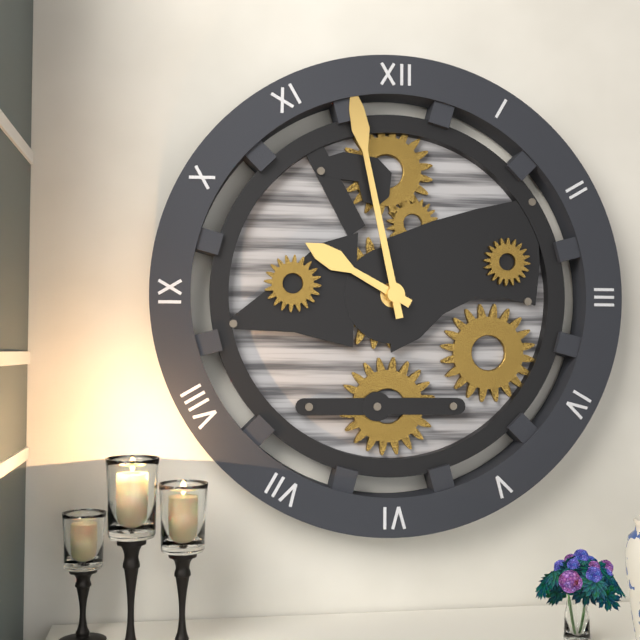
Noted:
**9:58**
